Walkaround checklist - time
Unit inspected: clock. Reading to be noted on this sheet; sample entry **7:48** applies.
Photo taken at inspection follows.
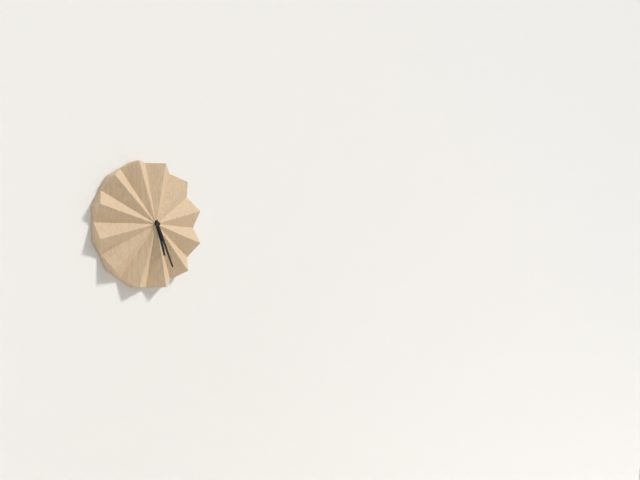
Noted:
**5:26**
